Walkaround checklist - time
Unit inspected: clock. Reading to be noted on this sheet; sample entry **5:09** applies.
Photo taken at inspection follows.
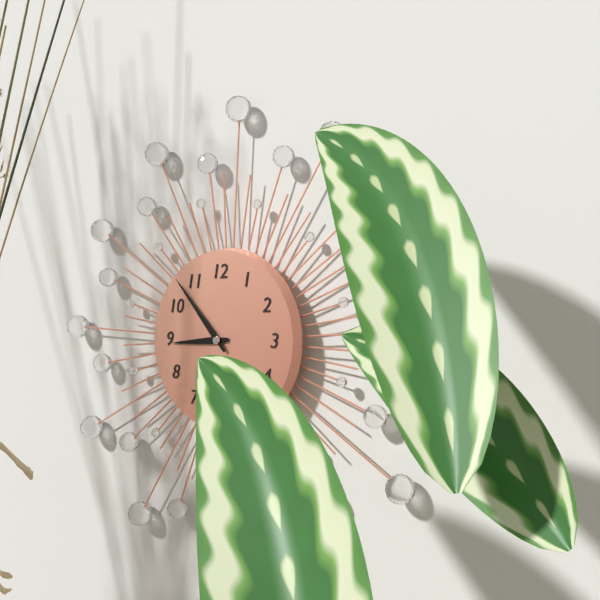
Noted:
**8:53**
